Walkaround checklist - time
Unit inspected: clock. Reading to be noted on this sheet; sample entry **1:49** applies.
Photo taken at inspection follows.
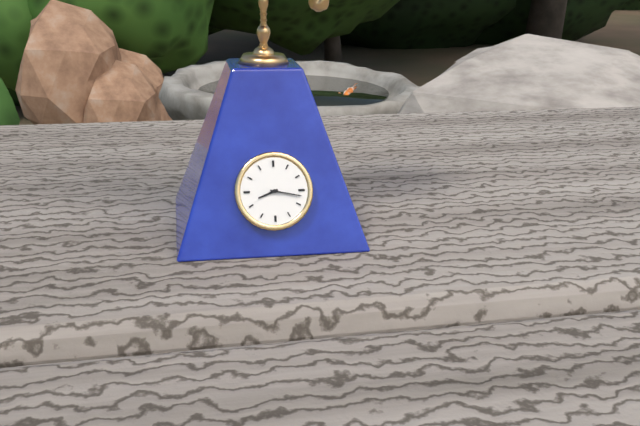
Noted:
**8:17**
